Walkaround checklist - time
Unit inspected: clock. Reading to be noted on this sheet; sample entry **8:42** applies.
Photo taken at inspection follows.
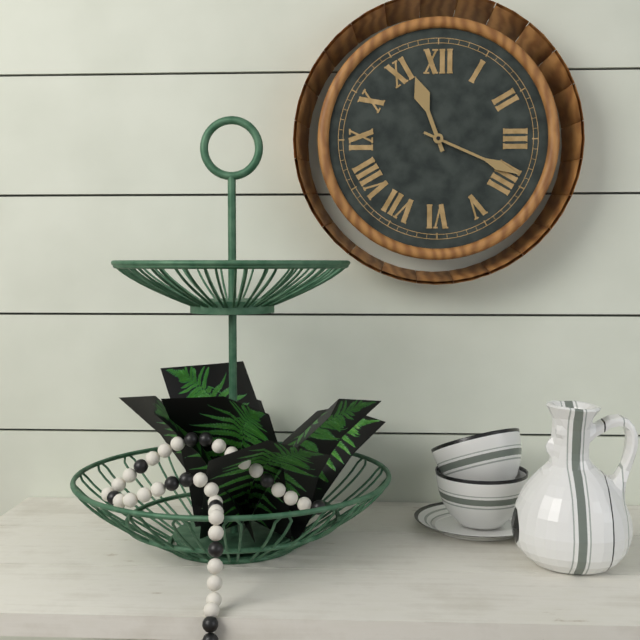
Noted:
**11:19**
